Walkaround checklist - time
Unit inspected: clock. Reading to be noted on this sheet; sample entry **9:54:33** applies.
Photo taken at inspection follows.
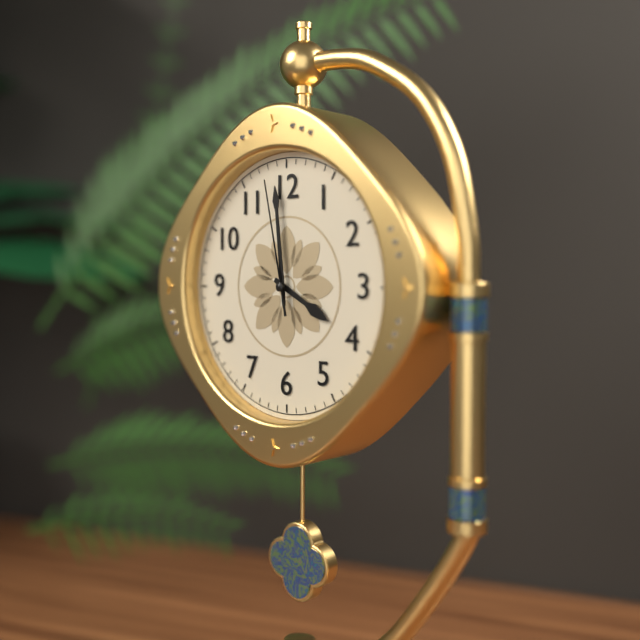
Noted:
**3:59:58**
